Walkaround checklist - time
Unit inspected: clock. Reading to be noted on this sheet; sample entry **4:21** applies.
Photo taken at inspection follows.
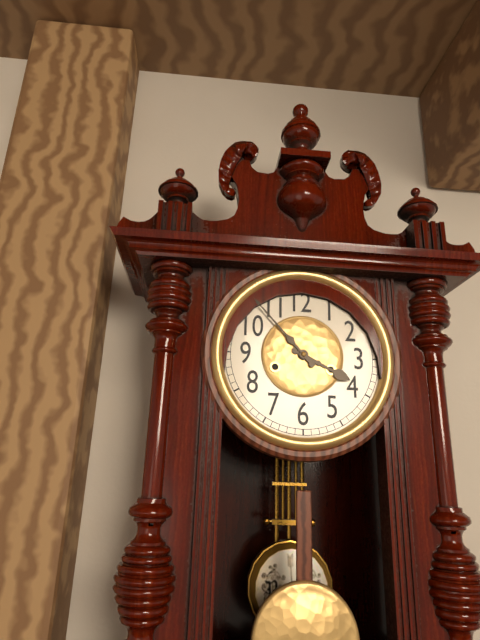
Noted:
**3:53**
